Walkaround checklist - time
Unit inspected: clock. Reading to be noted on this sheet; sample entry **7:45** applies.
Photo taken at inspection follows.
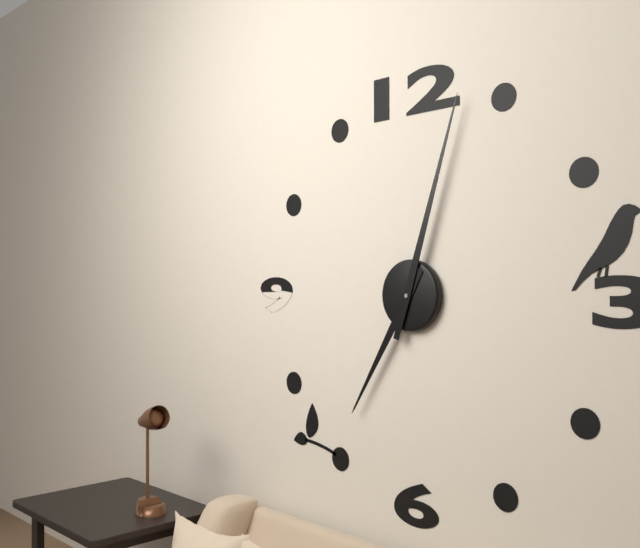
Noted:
**7:03**
